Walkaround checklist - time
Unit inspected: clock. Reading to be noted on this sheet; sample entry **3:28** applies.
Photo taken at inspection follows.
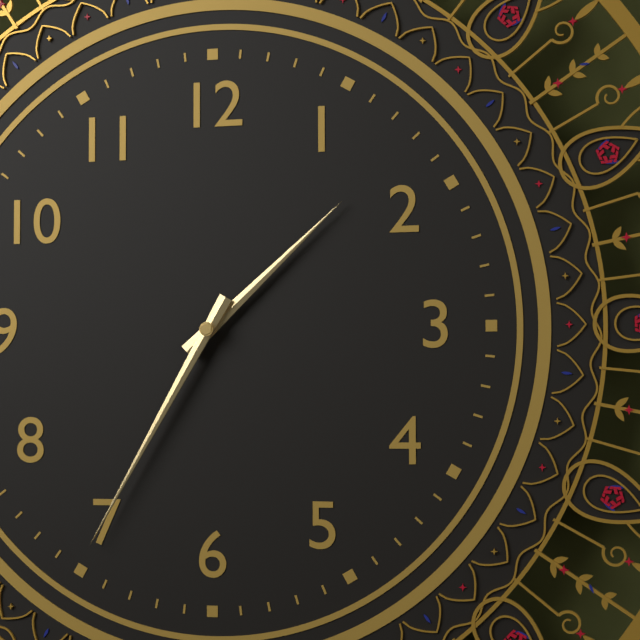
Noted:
**1:35**
